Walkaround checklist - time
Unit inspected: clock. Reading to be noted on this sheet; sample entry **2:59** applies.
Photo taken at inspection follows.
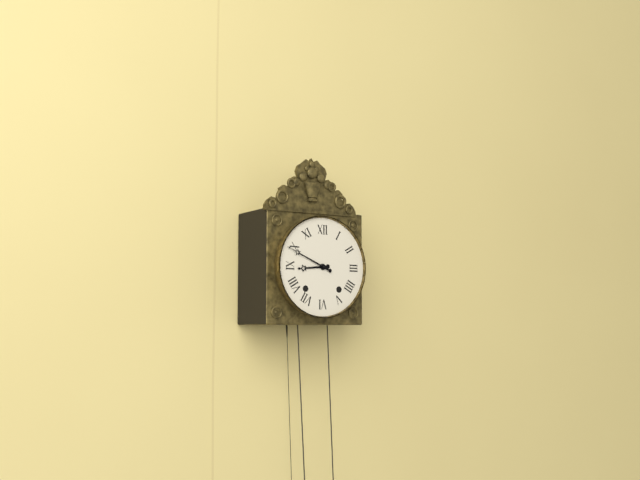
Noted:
**8:49**
